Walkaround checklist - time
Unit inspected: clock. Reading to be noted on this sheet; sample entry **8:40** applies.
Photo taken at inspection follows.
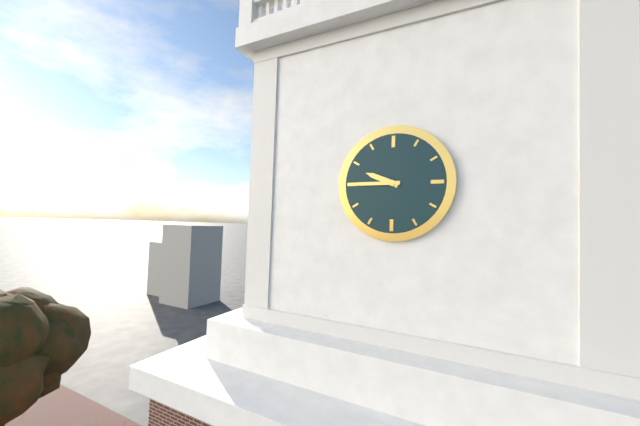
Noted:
**9:45**
